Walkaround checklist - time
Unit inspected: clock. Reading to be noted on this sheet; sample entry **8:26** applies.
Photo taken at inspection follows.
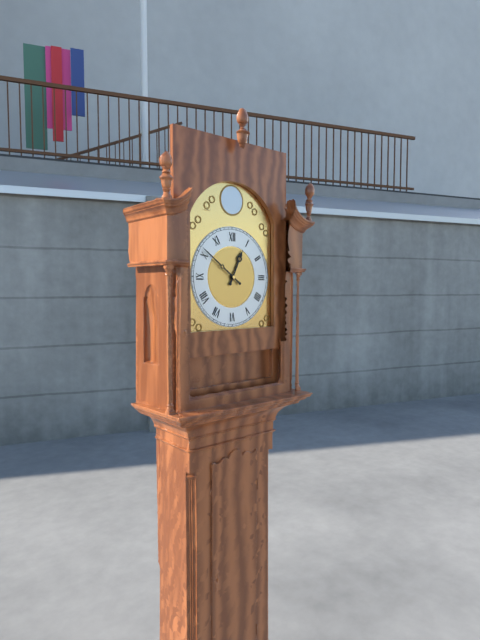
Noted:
**12:51**
